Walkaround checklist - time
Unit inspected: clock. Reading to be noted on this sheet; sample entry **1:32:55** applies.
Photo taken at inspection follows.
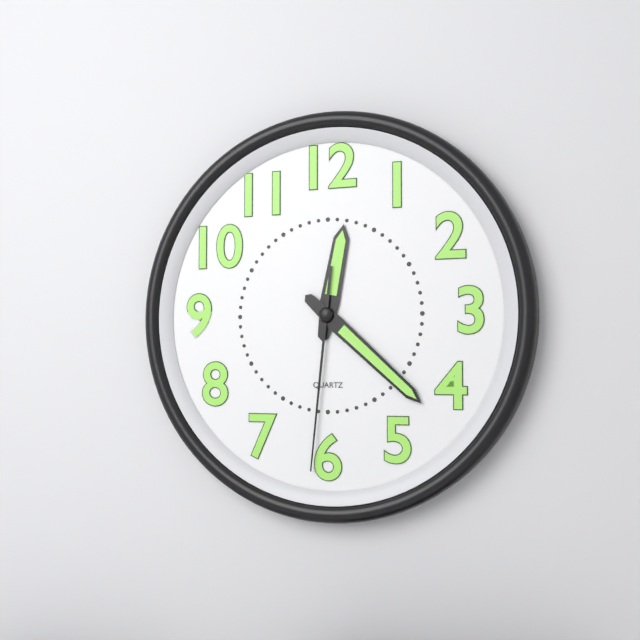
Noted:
**12:22:31**
